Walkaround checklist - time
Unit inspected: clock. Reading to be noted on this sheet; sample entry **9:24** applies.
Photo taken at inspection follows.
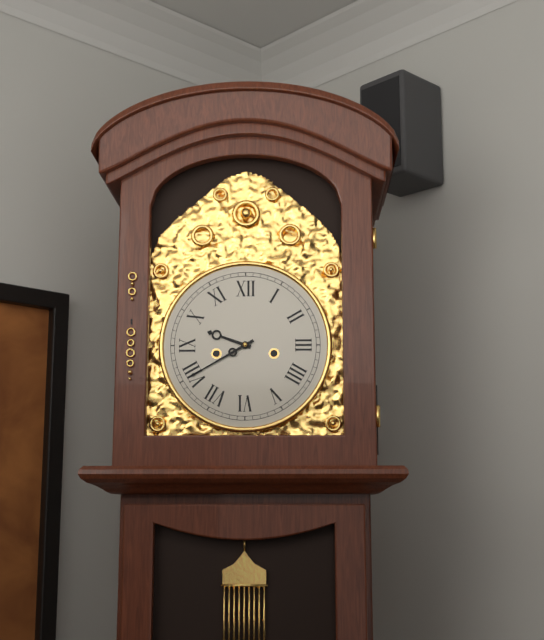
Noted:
**9:40**
